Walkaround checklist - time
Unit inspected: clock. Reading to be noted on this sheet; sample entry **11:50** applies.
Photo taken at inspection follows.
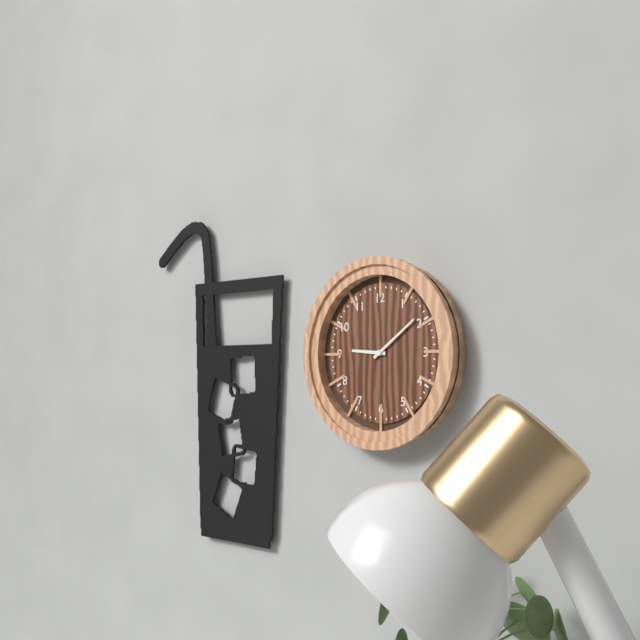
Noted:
**9:09**
